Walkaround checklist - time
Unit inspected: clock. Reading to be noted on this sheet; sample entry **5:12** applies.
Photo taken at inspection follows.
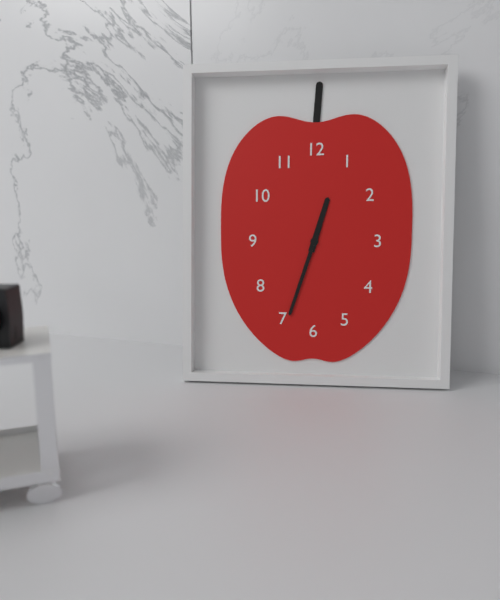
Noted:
**12:33**
